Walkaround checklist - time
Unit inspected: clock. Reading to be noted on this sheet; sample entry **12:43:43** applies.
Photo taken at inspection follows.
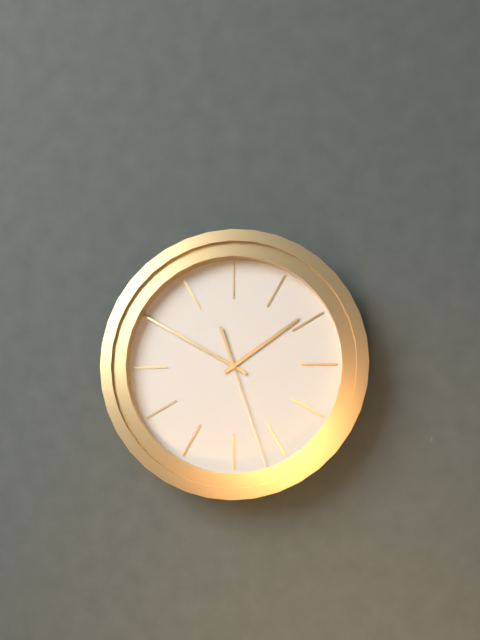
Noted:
**1:50:27**
